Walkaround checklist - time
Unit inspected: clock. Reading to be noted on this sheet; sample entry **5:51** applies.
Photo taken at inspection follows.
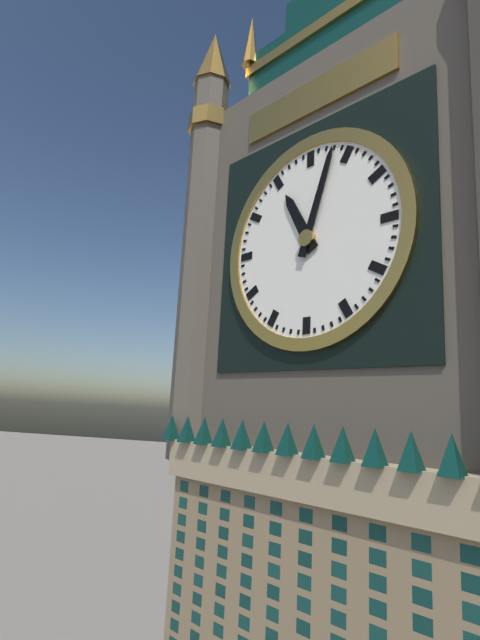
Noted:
**11:03**
